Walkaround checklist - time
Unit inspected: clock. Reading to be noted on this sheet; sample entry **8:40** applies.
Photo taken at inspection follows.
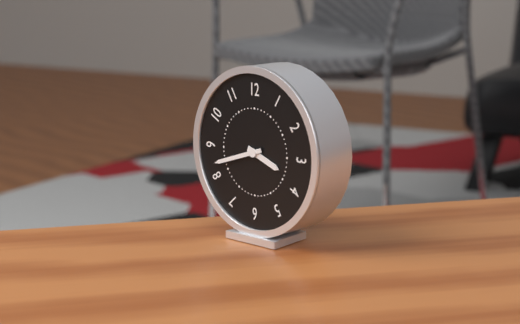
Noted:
**3:42**
